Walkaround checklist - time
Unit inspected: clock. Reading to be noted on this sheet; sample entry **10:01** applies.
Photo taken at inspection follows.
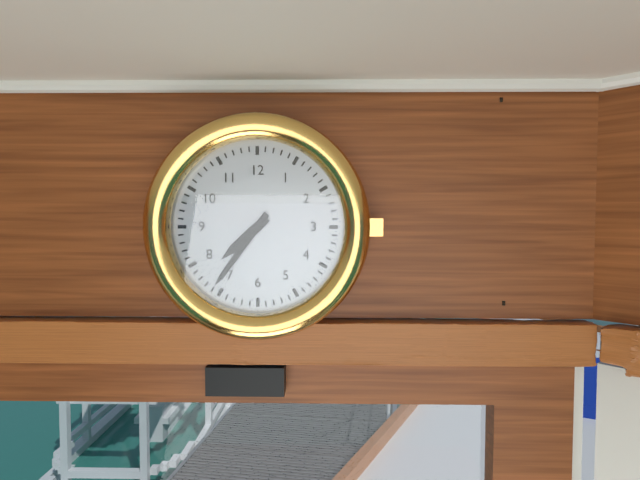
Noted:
**7:36**
